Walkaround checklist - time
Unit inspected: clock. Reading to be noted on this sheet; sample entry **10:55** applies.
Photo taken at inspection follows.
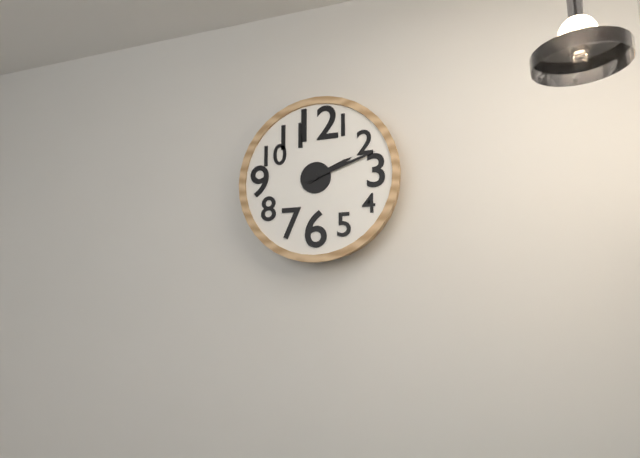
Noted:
**2:12**
